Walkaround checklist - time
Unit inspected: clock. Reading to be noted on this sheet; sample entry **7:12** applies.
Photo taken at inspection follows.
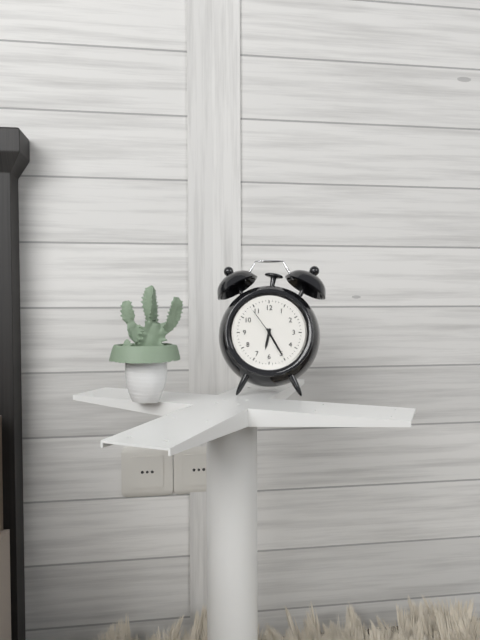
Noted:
**6:25**
